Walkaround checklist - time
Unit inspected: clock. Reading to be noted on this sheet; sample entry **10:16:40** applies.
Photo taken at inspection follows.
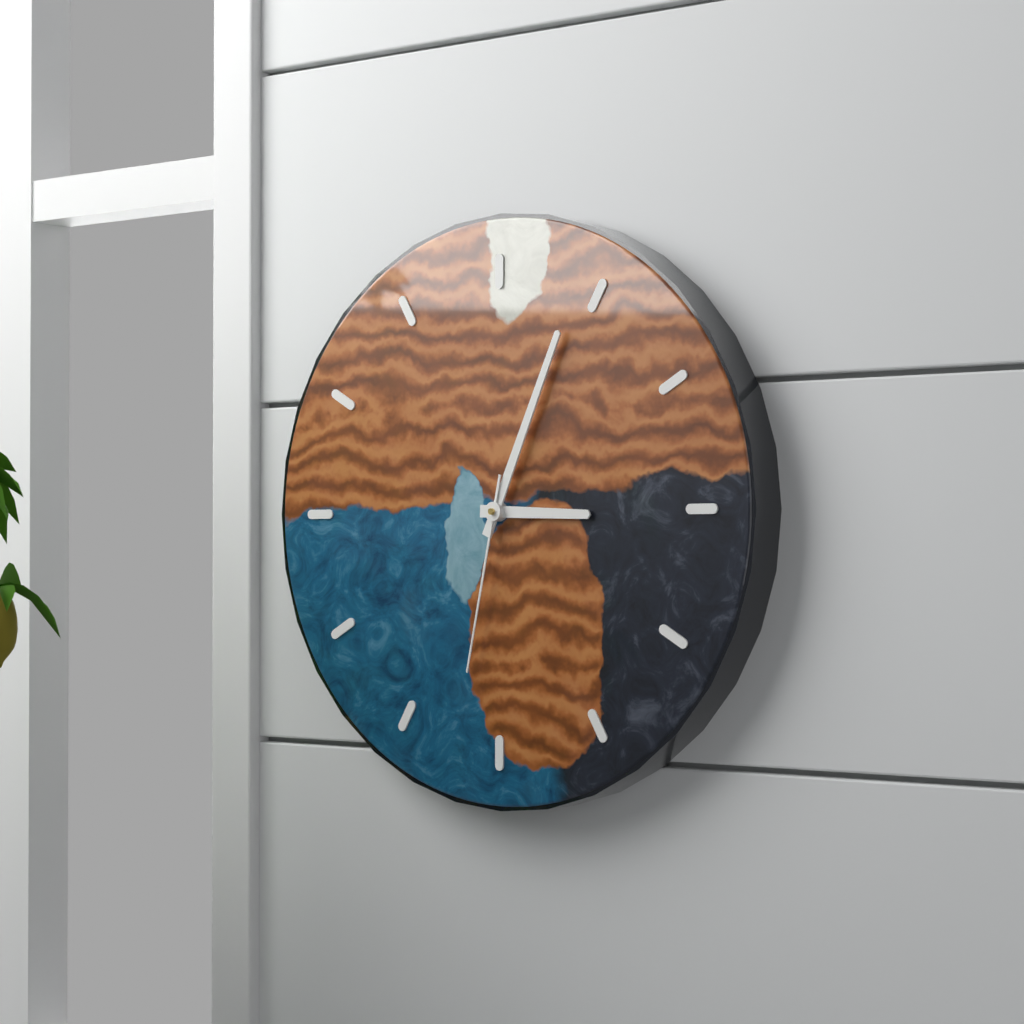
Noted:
**3:04:32**
